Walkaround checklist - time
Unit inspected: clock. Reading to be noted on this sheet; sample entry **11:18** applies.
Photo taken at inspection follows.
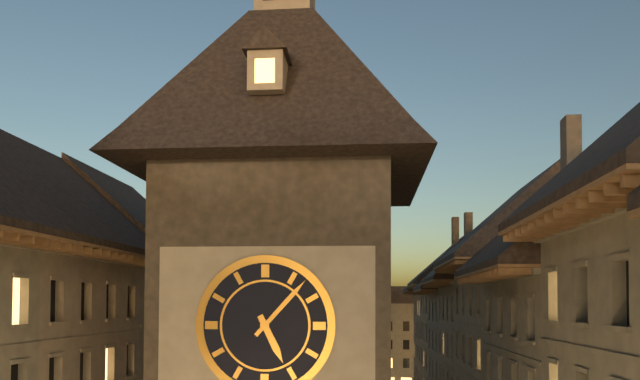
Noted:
**5:07**
